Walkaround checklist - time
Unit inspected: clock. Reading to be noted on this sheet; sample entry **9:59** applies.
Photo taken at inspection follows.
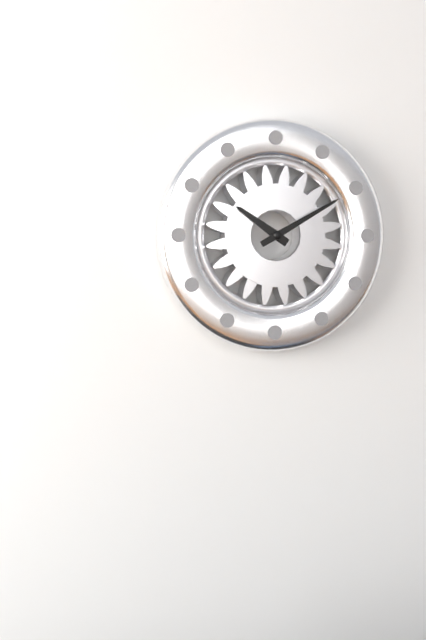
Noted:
**10:10**
